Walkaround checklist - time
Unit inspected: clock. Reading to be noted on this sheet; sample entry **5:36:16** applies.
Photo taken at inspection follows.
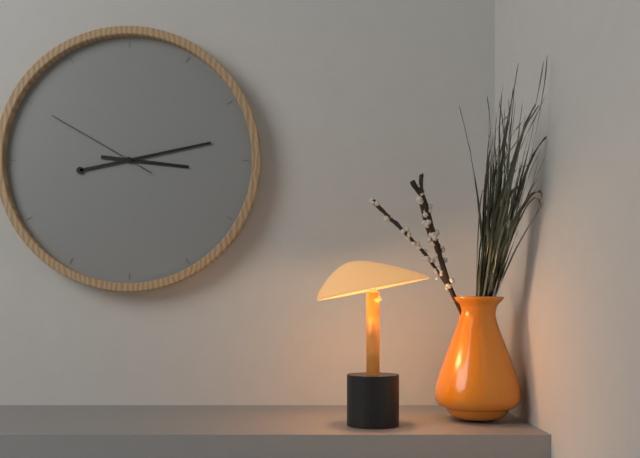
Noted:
**3:13:50**
